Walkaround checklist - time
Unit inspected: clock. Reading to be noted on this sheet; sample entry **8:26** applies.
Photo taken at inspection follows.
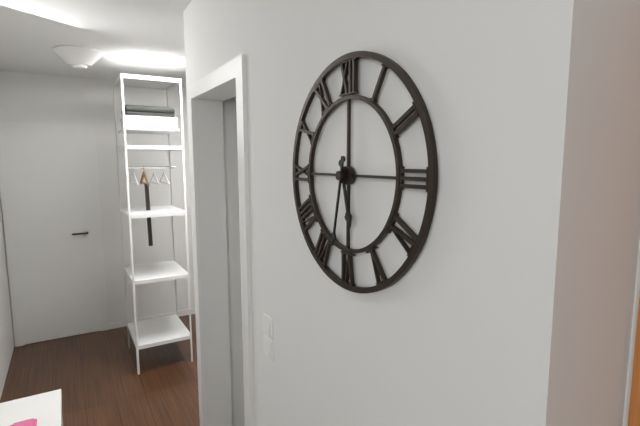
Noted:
**5:32**
